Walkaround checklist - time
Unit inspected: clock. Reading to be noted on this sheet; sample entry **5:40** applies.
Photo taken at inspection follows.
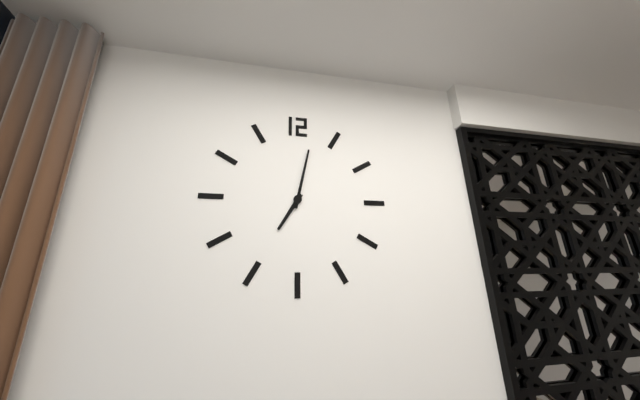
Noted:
**7:02**
